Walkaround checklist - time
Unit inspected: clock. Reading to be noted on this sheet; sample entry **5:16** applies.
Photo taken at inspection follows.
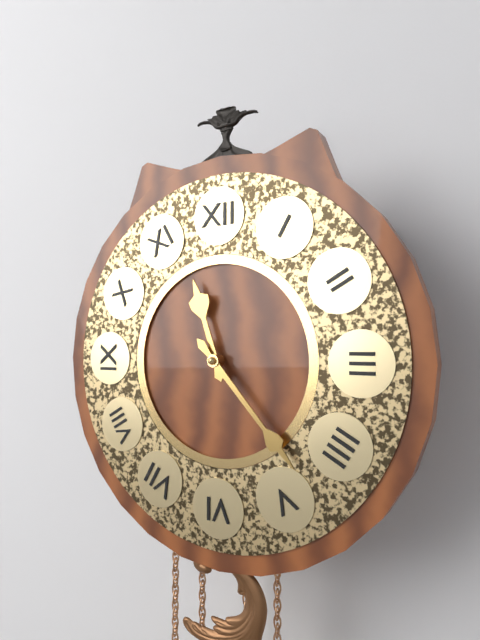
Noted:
**11:23**
